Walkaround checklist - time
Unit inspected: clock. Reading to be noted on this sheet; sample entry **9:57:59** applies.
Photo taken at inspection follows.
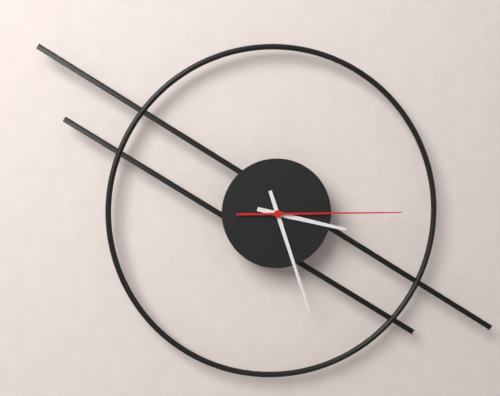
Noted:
**3:27:15**
